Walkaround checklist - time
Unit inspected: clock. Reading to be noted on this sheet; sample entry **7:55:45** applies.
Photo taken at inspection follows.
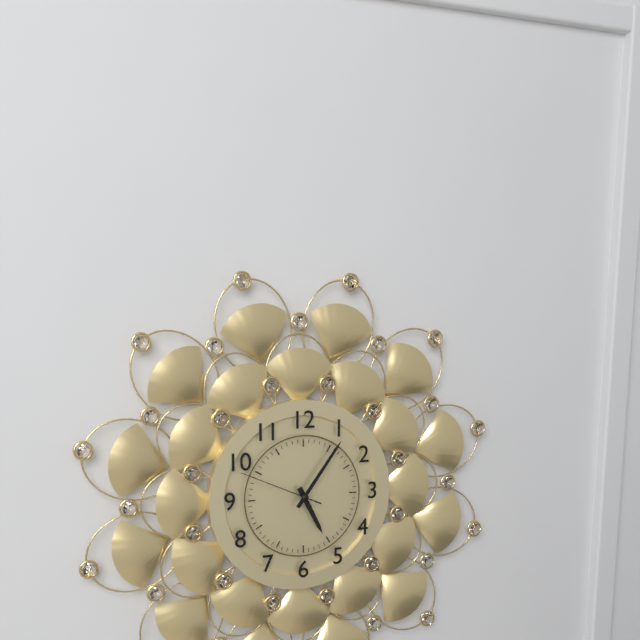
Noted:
**5:06:49**
